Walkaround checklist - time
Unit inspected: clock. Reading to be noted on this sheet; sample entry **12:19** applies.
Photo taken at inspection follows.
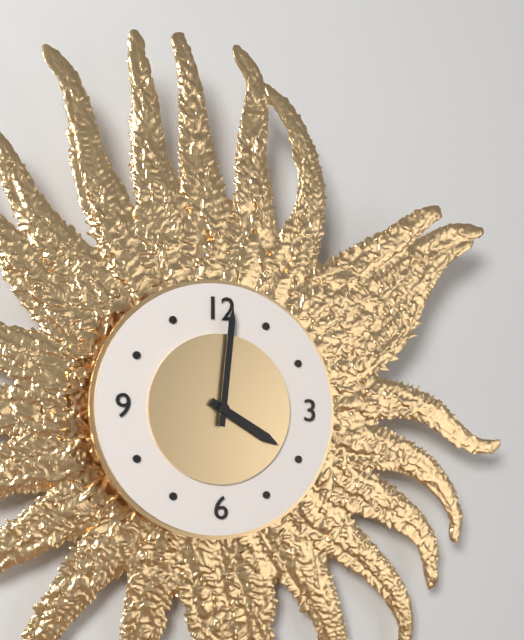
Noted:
**4:01**
